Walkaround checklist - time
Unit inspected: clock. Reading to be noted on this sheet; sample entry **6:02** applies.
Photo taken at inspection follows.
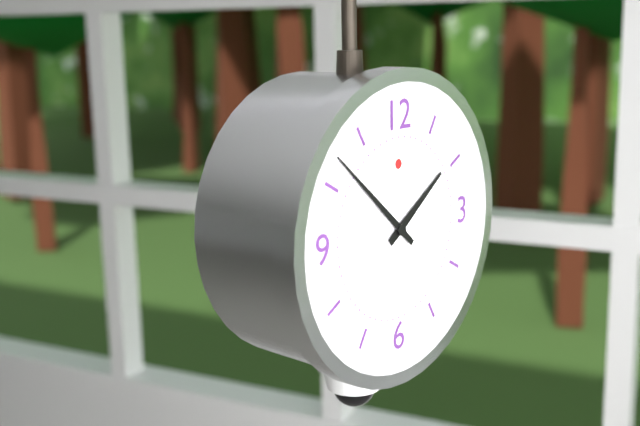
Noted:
**1:52**
